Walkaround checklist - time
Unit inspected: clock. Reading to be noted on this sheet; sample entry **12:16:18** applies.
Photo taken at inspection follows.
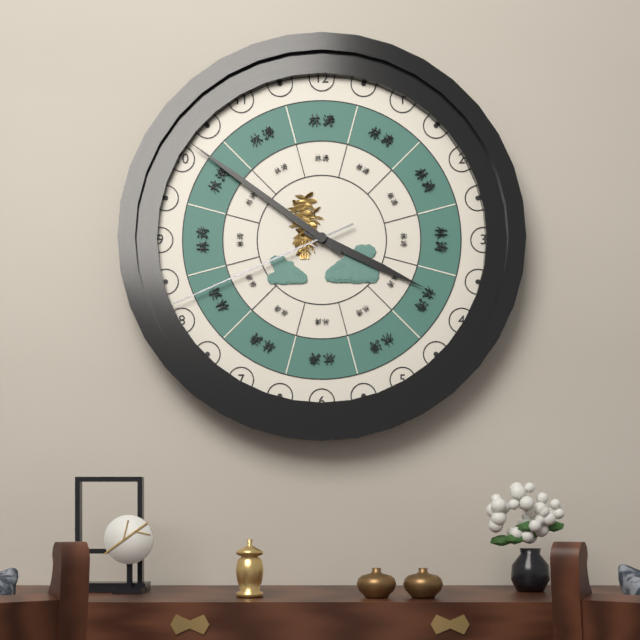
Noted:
**3:51:41**
